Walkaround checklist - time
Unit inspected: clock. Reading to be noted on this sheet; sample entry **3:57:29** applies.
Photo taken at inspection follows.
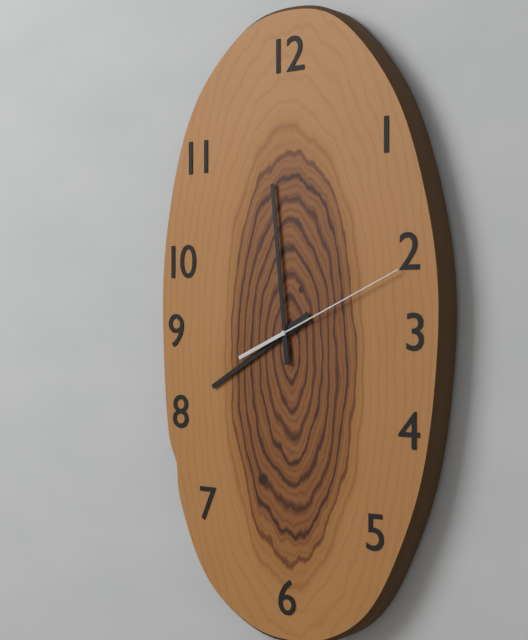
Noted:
**7:59:11**
